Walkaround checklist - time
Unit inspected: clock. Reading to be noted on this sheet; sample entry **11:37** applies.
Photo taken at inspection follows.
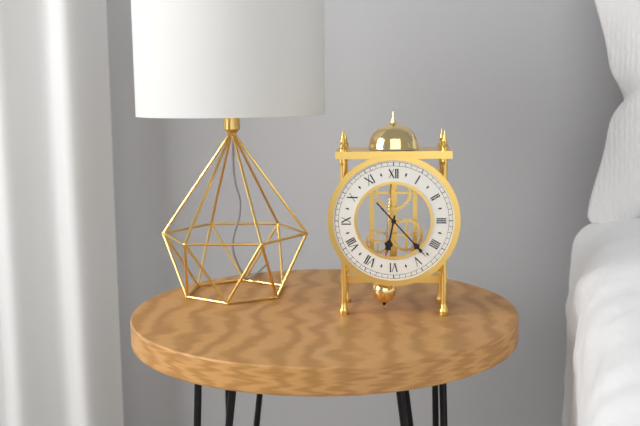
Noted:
**6:23**
